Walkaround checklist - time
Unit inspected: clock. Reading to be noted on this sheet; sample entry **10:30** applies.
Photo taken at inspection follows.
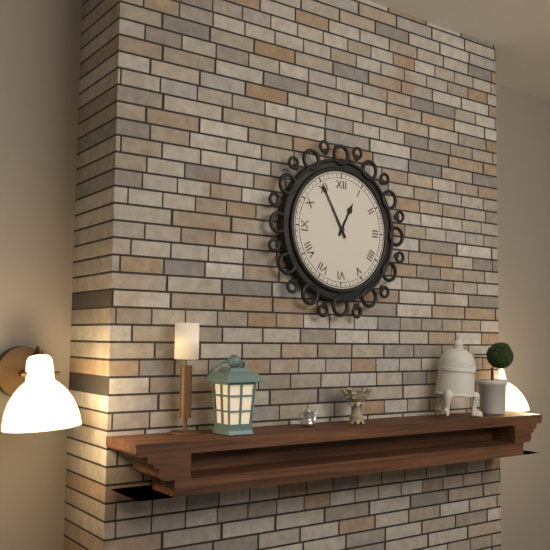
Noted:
**12:55**
